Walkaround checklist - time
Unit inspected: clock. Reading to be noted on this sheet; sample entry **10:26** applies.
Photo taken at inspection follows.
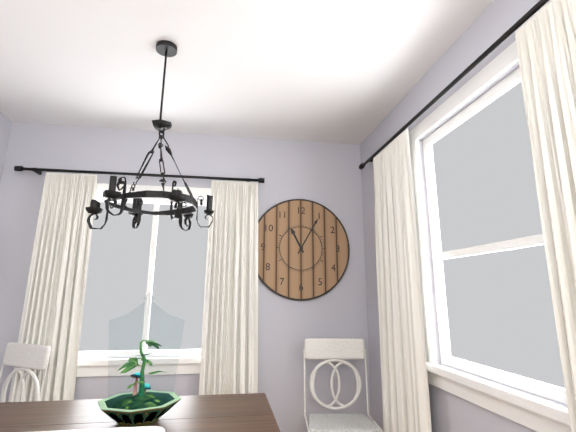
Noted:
**11:05**
